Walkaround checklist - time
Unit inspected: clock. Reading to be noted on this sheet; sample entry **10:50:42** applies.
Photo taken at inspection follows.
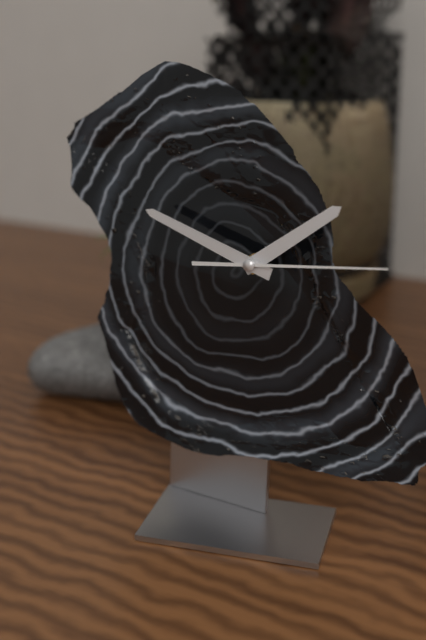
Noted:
**1:48:14**
